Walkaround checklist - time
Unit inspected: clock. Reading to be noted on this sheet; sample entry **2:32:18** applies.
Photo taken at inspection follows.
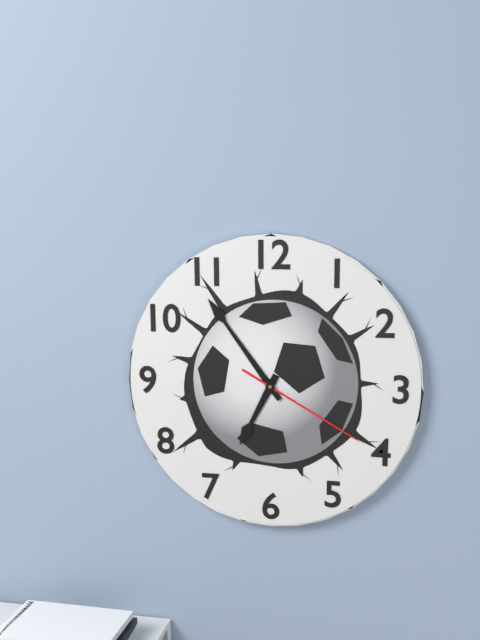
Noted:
**6:54:20**
